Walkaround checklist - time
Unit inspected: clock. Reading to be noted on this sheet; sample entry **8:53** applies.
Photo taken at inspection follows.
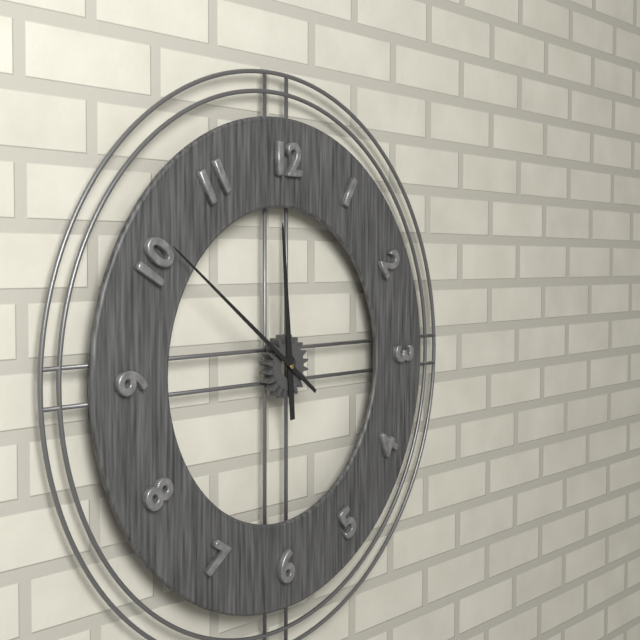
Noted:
**11:51**
